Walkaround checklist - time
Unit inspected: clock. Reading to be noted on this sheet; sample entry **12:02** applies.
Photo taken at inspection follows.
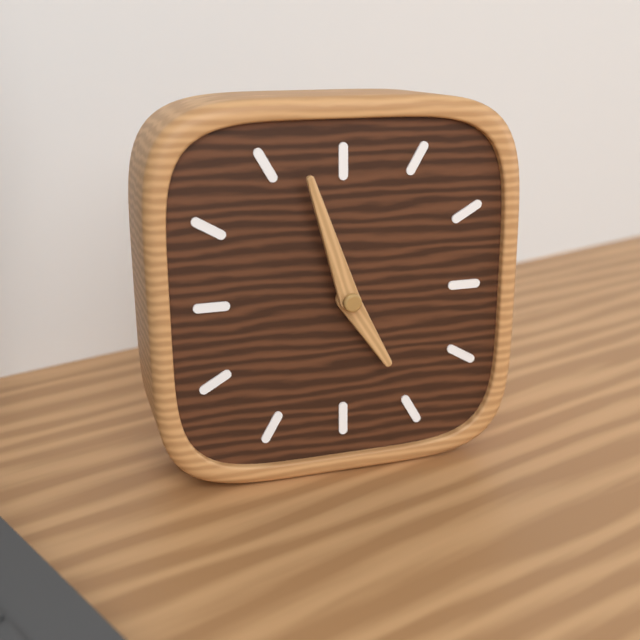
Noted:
**4:57**
